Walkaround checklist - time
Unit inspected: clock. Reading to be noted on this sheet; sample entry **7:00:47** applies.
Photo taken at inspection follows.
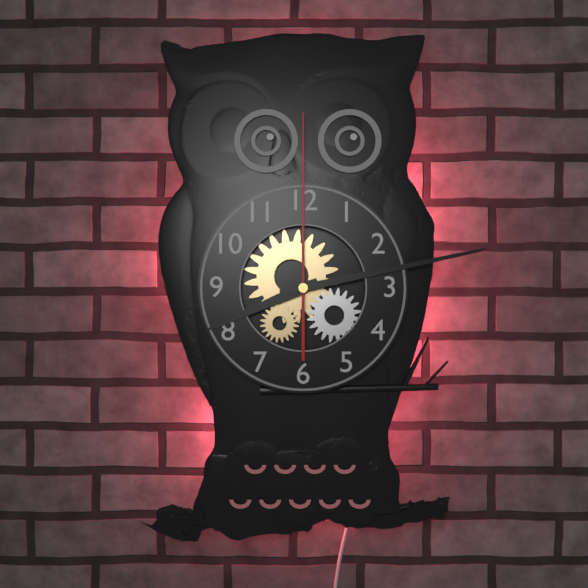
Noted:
**8:13:00**
